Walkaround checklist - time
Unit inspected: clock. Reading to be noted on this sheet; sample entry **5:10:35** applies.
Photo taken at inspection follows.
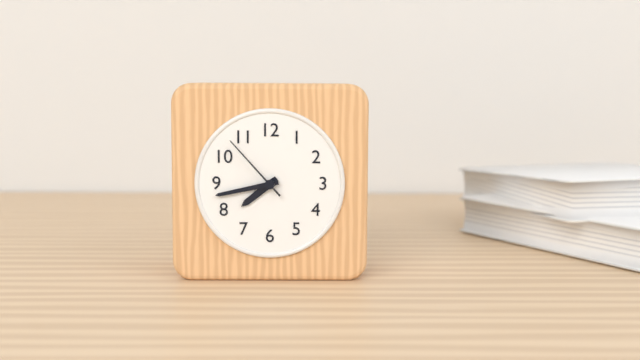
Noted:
**7:43:53**
